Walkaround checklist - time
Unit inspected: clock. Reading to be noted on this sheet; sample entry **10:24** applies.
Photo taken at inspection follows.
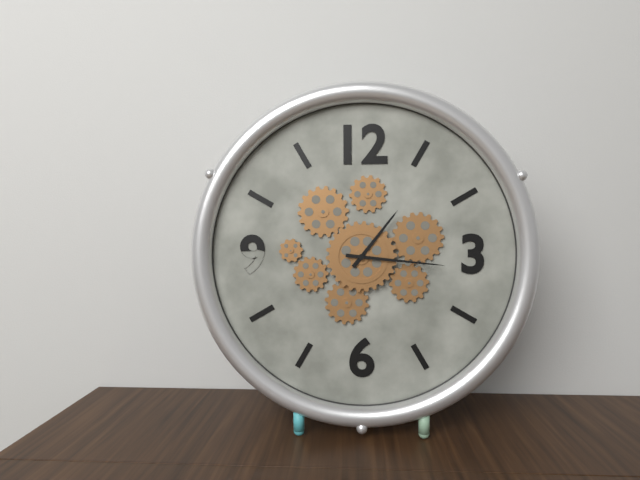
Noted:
**1:16**
